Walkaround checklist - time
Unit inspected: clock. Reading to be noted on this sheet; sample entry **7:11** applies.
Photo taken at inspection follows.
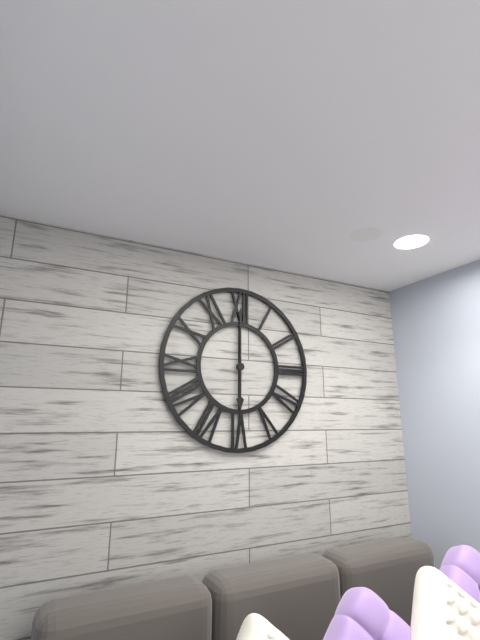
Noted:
**6:00**
